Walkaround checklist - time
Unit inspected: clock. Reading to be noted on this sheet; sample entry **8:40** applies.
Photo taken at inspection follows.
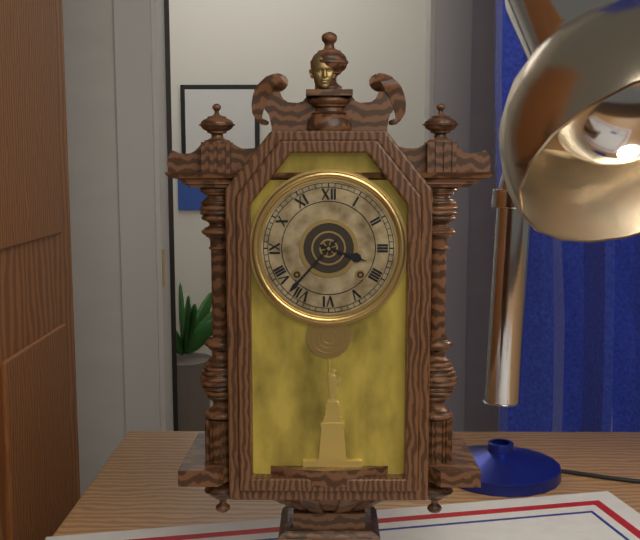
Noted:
**3:37**
